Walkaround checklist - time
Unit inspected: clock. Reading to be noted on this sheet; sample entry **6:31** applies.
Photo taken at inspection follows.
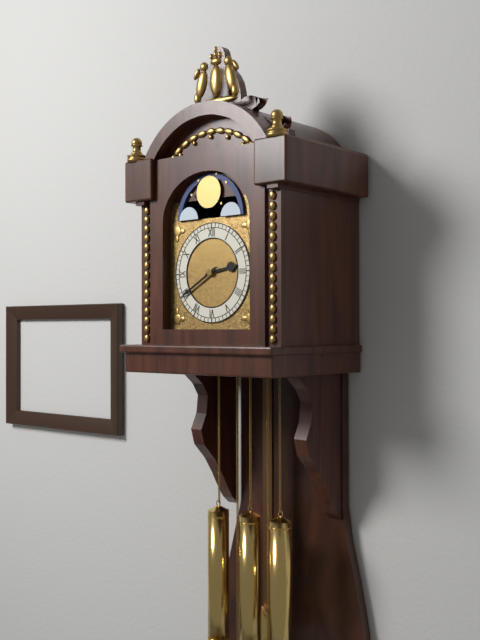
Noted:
**2:40**
